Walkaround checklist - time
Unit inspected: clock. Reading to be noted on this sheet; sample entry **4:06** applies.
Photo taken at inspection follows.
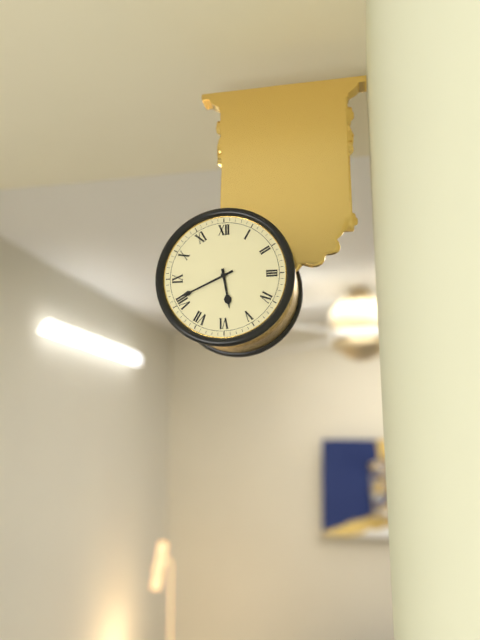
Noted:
**5:41**
